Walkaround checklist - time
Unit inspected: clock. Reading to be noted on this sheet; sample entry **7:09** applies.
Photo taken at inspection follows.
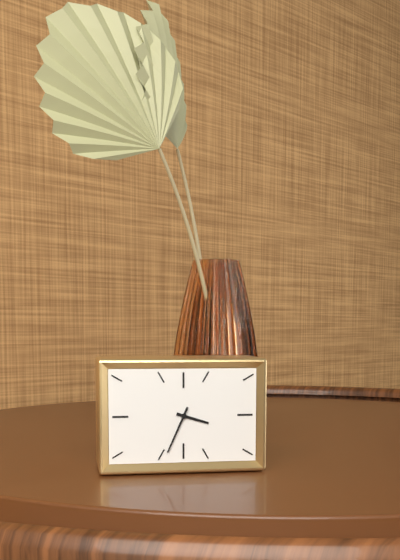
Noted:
**3:34**
